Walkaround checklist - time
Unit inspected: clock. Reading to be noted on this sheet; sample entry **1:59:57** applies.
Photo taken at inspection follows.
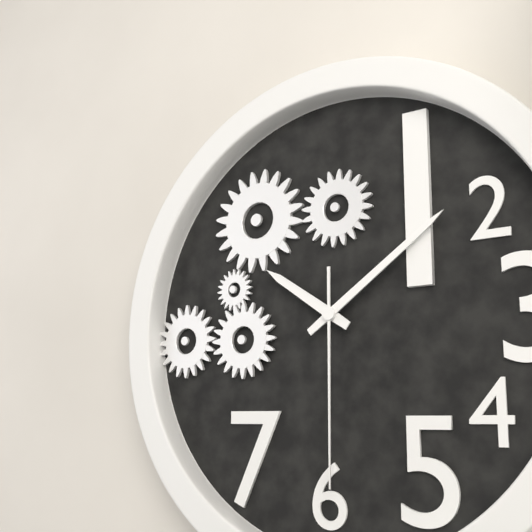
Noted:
**10:09:30**
